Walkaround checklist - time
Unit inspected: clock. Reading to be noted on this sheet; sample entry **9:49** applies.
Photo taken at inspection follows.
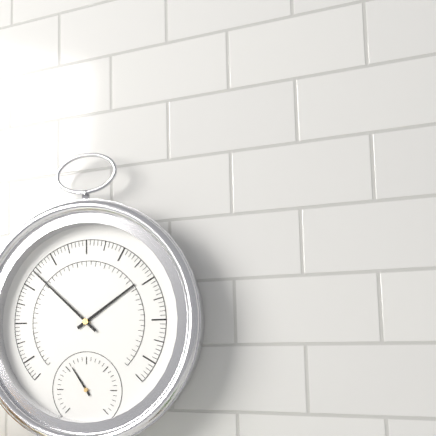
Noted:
**1:52**
